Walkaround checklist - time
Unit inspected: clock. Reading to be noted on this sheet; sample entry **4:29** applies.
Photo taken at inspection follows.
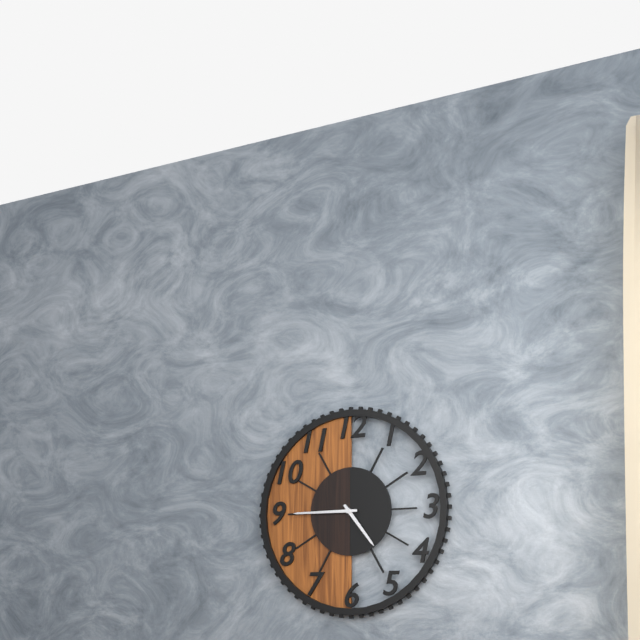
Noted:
**4:45**
